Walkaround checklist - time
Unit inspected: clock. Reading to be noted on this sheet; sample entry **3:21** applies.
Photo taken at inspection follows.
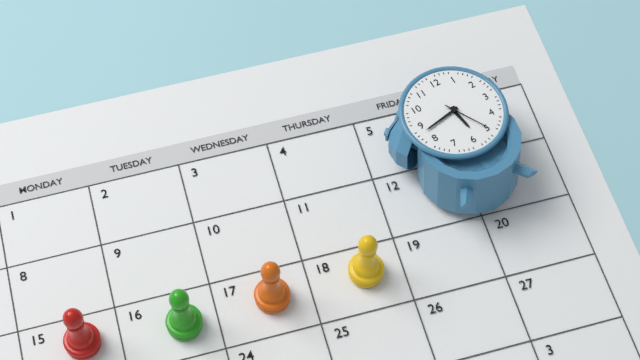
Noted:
**5:43**
